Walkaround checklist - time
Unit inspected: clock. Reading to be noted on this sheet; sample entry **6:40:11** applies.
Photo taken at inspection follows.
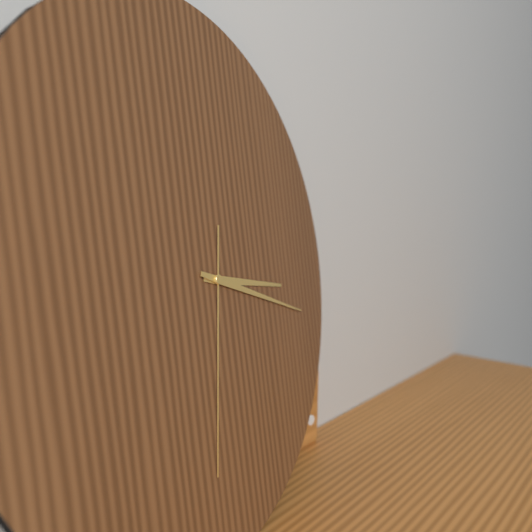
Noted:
**3:18:32**
